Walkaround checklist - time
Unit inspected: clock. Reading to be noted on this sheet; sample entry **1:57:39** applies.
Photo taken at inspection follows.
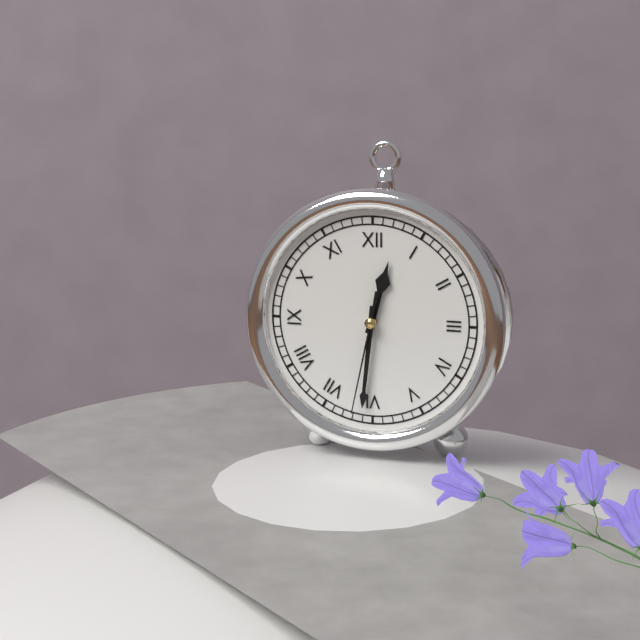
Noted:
**12:31:32**
